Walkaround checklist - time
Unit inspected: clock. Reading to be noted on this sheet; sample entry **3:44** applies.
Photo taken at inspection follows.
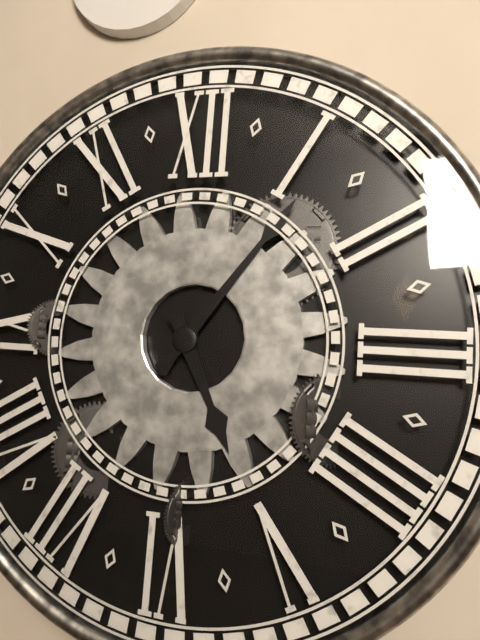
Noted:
**5:06**
